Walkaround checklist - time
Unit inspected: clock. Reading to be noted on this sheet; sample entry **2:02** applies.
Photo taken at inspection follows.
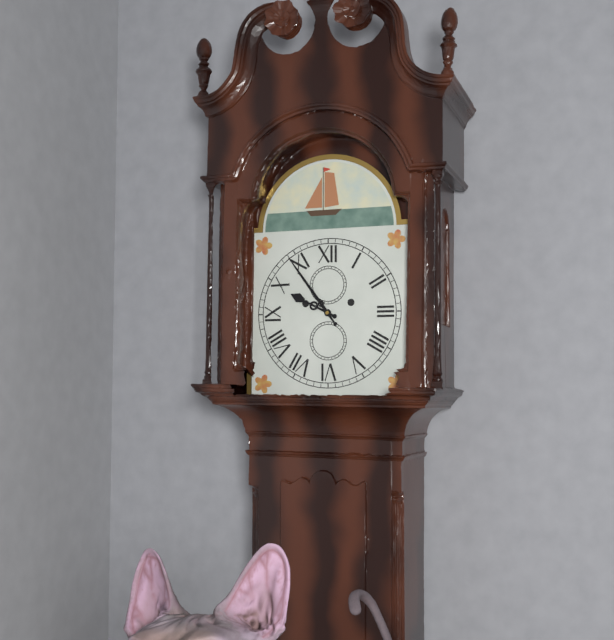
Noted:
**9:54**
